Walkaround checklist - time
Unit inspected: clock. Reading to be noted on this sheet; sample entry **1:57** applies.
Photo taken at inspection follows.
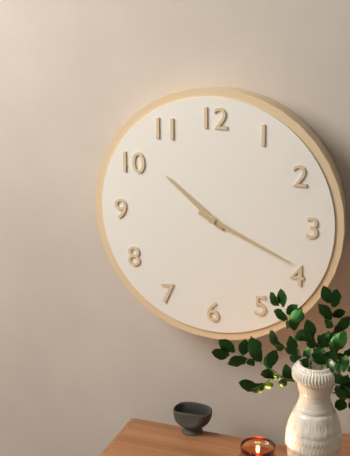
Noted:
**10:19**
